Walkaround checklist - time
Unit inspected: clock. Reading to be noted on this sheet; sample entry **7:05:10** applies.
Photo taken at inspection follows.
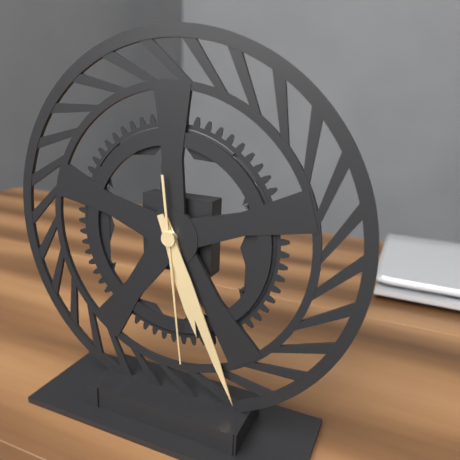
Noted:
**5:26:29**
